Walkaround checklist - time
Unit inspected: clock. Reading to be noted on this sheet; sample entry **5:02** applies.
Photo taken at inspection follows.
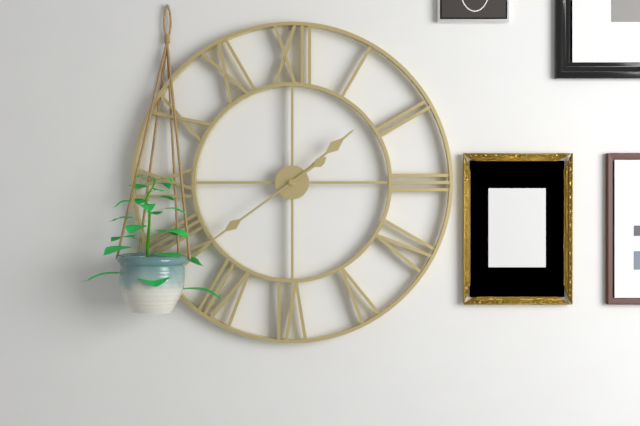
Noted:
**1:39**
